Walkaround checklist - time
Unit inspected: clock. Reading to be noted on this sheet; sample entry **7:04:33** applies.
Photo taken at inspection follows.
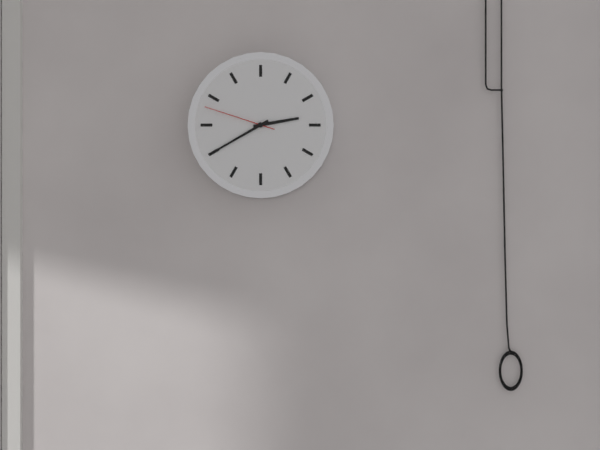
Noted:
**2:40:48**
